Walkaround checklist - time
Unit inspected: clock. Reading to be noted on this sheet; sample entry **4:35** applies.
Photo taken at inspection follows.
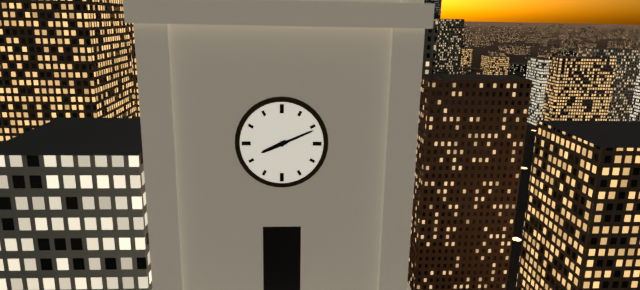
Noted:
**8:11**
